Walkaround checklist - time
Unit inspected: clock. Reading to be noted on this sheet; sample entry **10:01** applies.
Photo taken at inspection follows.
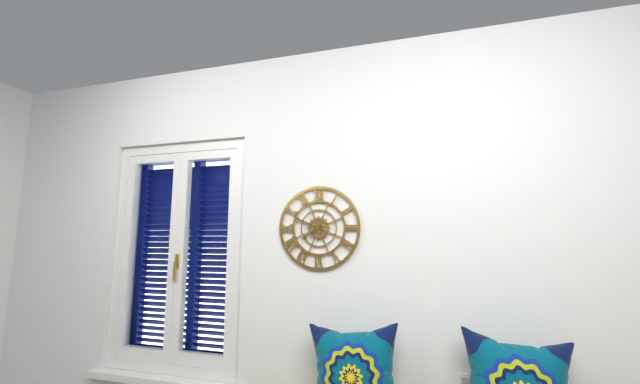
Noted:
**7:49**
